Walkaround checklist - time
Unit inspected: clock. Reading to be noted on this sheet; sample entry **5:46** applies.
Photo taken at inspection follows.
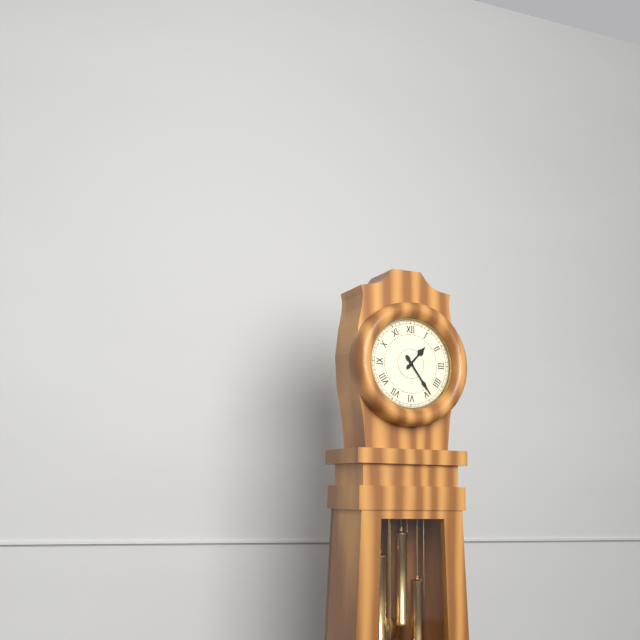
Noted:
**1:24**
